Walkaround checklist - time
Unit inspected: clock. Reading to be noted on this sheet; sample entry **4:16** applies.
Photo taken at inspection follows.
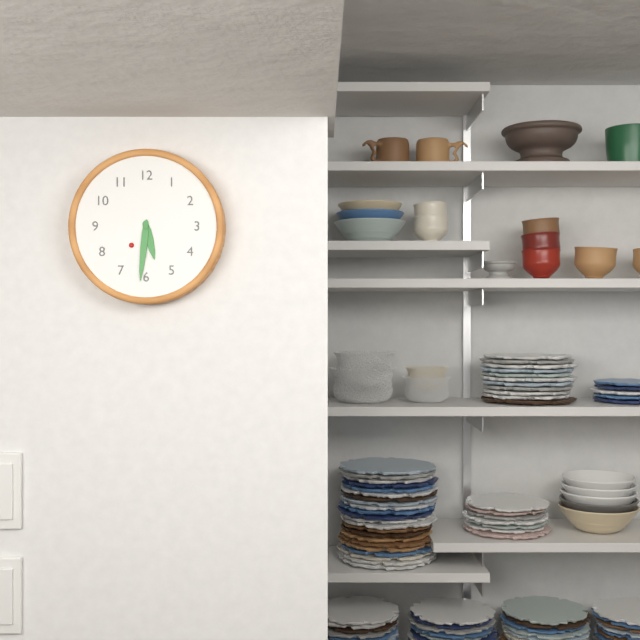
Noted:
**5:31**
